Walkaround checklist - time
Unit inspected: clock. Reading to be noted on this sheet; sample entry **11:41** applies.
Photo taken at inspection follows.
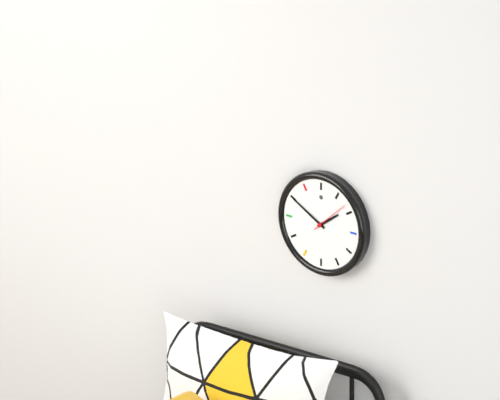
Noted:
**1:50**
